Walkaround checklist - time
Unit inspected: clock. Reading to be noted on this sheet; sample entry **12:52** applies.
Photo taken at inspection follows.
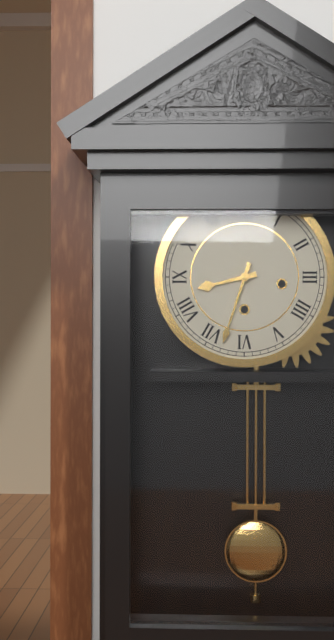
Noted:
**8:33**
